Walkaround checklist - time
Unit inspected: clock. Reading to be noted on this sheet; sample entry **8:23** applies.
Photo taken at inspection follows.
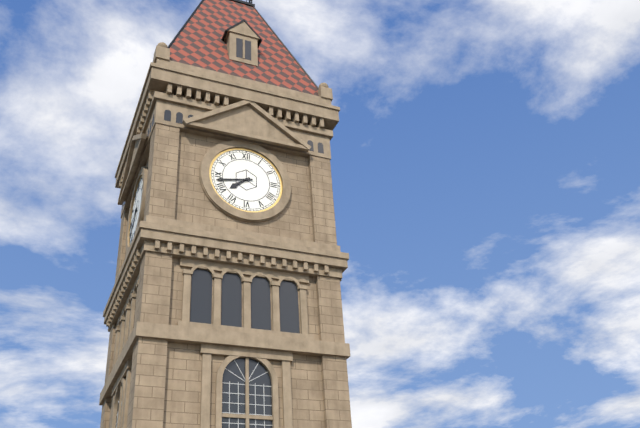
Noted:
**7:43**
